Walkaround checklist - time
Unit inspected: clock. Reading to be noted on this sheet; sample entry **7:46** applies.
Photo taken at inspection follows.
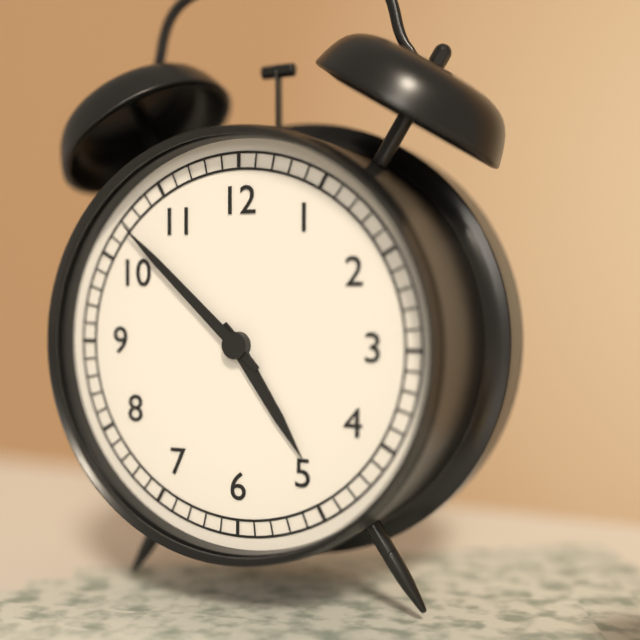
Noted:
**4:52**
